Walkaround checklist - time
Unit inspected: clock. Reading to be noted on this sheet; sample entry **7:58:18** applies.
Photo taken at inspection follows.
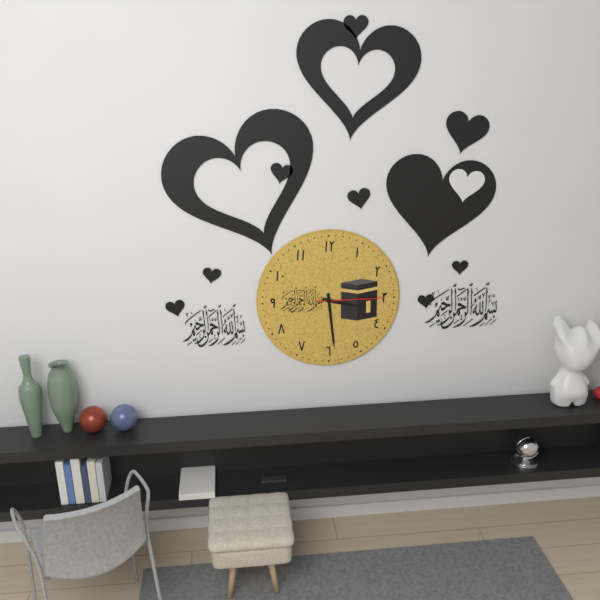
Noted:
**3:29:15**
